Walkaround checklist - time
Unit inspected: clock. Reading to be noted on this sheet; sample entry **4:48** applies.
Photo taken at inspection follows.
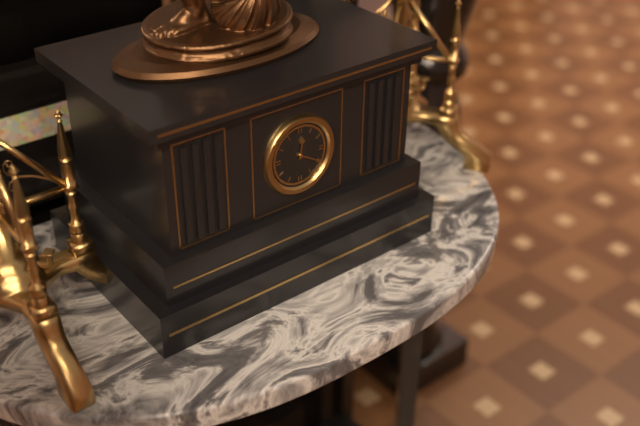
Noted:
**12:20**
